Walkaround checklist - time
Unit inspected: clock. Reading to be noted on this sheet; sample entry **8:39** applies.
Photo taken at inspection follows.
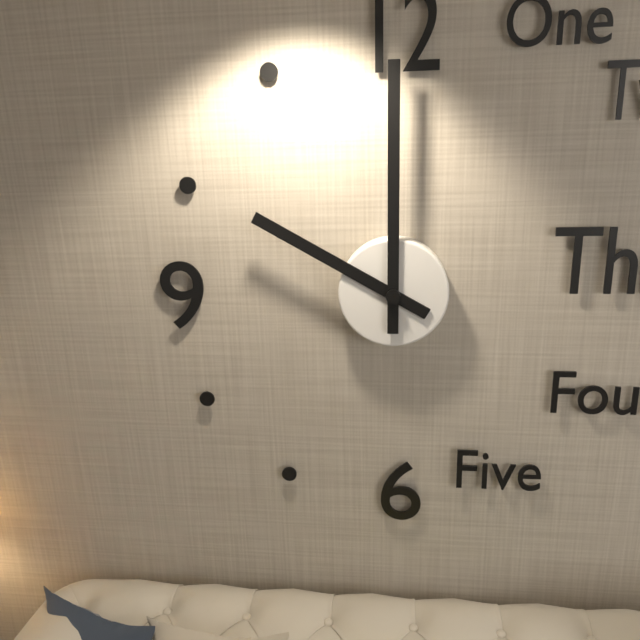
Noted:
**10:00**
